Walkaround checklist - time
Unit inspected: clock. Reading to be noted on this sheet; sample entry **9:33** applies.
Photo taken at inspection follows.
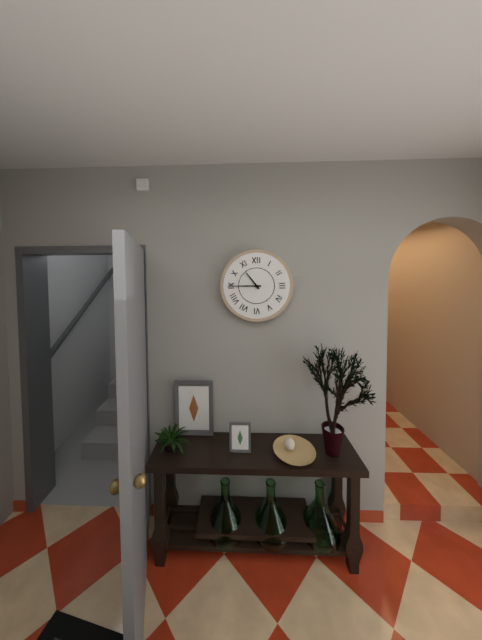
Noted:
**10:45**
